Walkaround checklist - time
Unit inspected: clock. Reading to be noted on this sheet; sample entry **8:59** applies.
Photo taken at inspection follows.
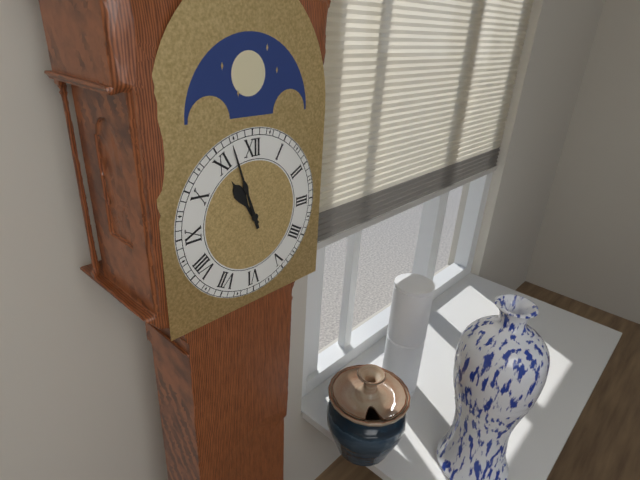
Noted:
**10:57**
